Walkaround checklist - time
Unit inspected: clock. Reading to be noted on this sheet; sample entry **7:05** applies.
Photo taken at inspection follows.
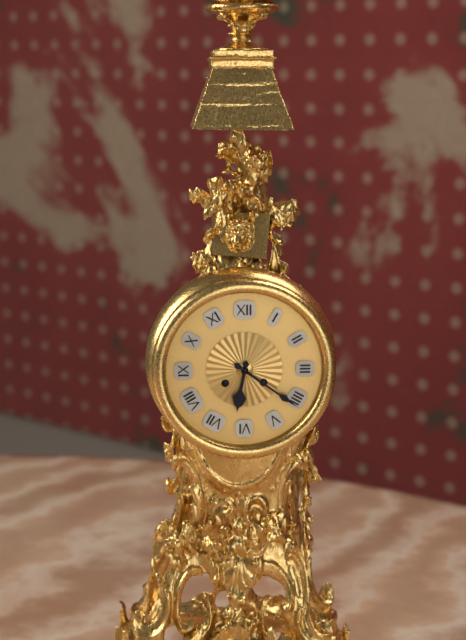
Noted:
**6:21**
